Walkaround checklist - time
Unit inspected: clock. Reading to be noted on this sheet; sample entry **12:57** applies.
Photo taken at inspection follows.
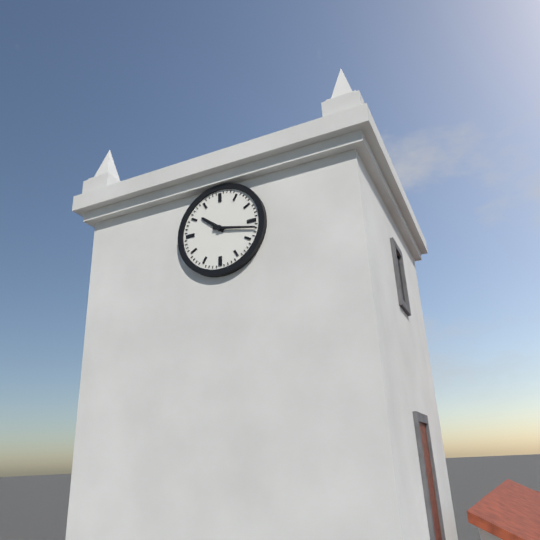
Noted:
**10:17**
